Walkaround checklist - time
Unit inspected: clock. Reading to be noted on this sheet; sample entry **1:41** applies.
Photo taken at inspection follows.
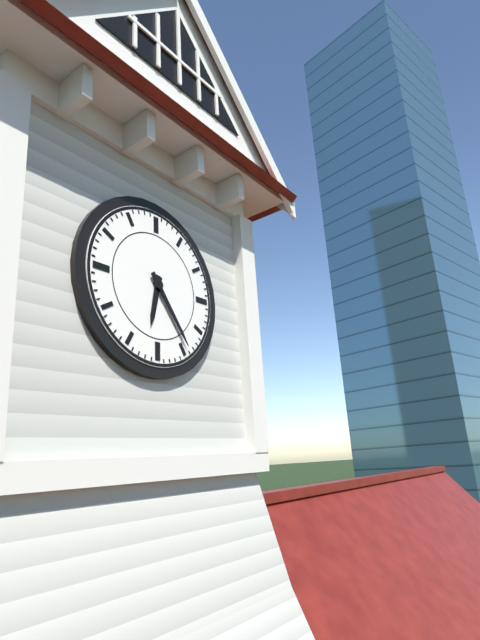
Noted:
**6:24**
